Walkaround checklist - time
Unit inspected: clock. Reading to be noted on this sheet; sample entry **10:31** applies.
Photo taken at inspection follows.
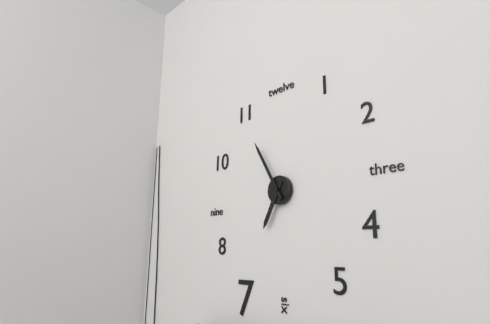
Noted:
**6:55**
